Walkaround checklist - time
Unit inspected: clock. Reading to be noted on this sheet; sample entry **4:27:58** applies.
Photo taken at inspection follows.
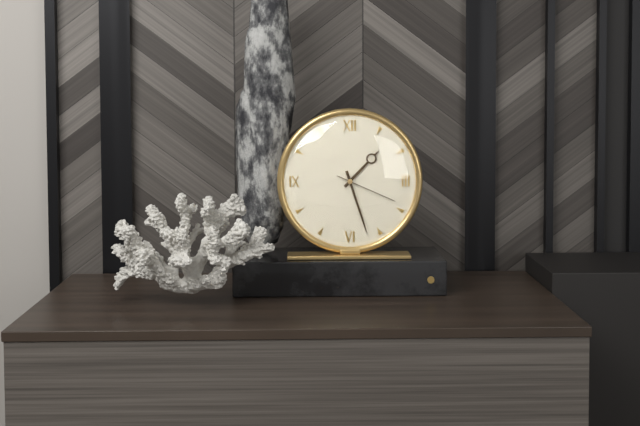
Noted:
**1:27:19**
